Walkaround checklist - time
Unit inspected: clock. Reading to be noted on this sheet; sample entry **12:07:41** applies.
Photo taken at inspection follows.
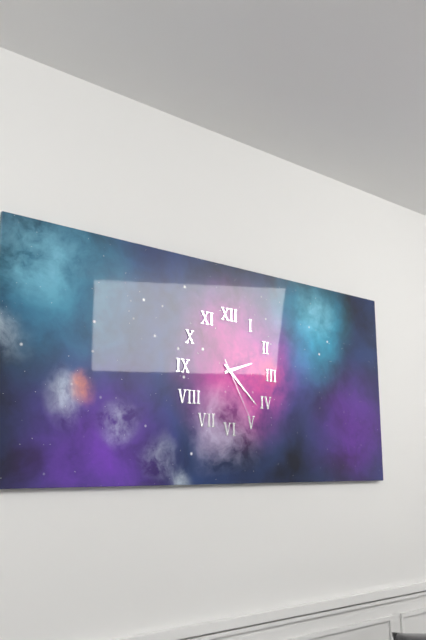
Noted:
**2:22:25**
